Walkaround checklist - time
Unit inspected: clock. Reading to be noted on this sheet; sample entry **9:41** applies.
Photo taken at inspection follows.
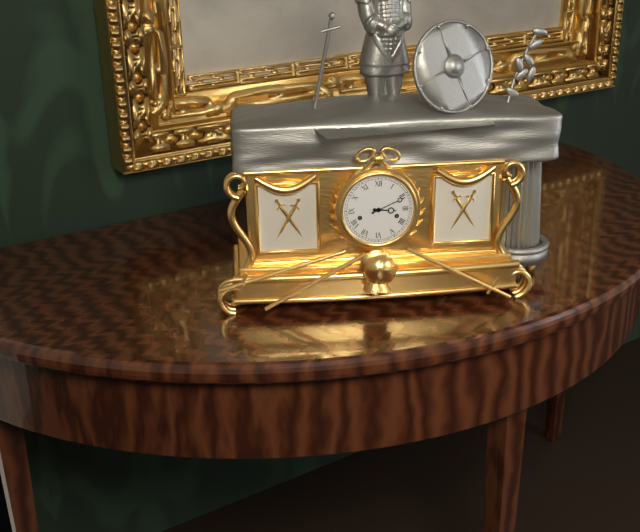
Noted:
**3:11**
